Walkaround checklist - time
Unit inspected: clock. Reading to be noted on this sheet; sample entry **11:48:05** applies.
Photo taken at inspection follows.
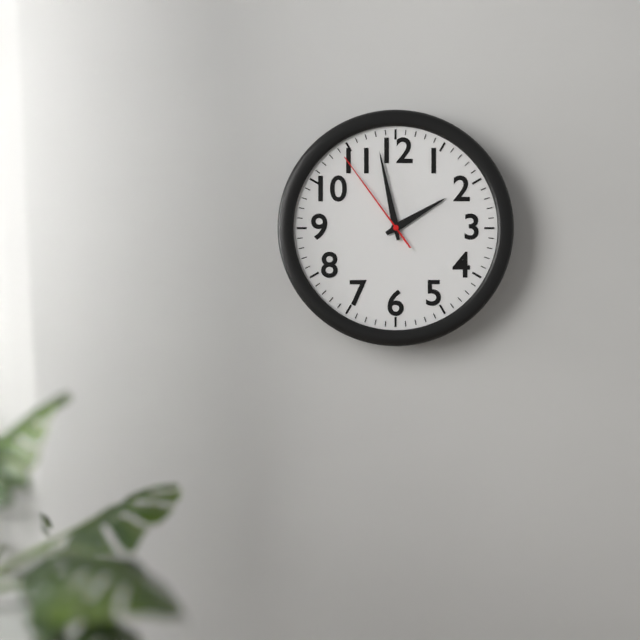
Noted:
**1:58:54**
